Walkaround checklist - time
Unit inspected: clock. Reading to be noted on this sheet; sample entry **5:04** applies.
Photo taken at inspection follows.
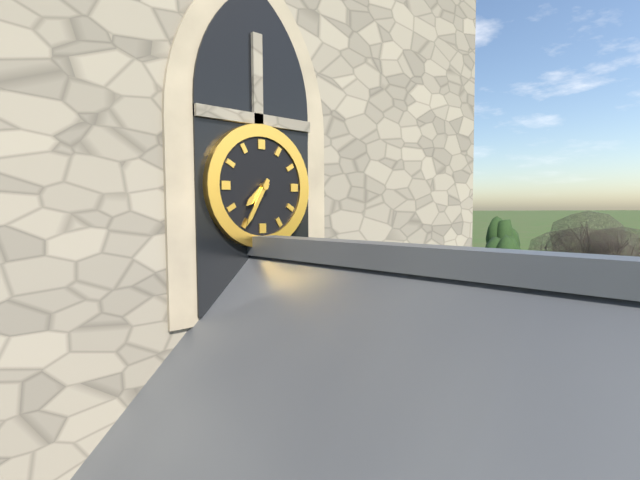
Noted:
**7:35**
